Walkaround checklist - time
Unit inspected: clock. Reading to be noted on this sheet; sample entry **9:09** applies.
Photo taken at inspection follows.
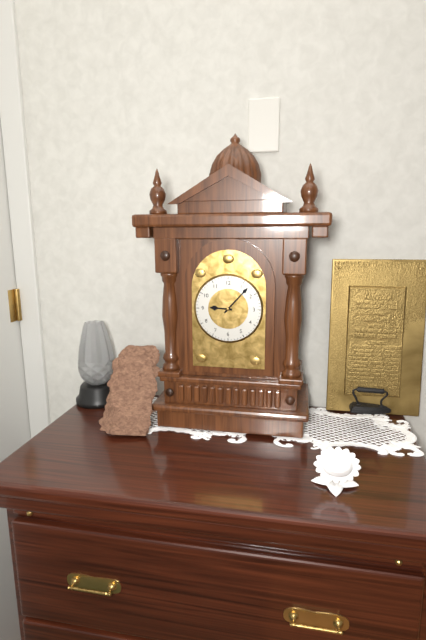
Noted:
**9:07**
